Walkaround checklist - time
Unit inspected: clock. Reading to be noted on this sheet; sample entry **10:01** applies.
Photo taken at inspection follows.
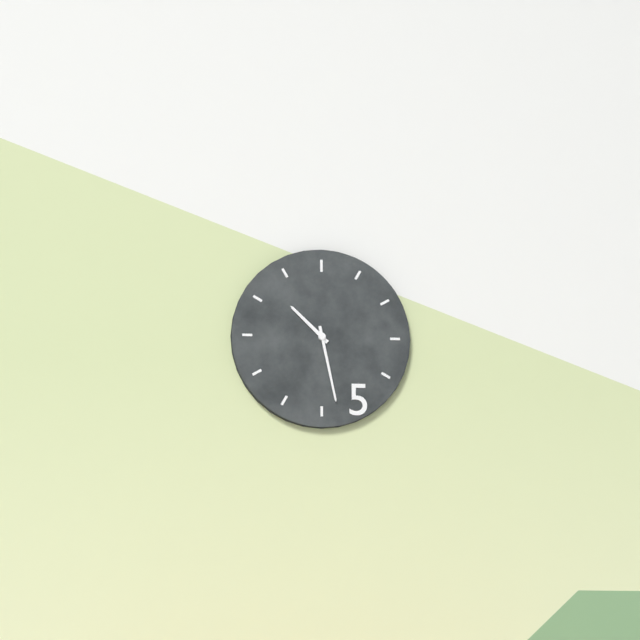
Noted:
**10:28**
